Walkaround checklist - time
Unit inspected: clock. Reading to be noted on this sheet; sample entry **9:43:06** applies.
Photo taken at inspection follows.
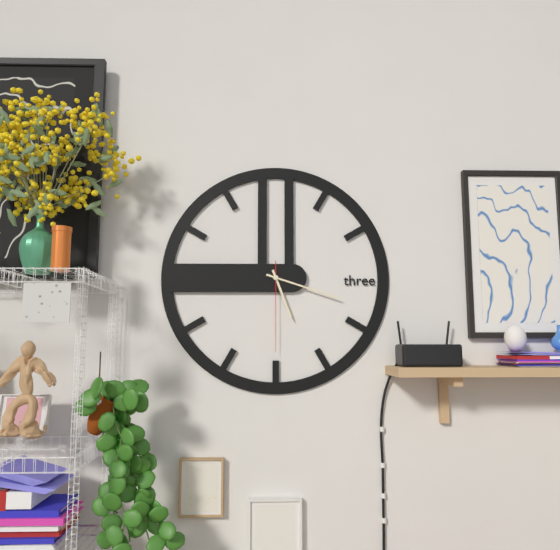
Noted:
**5:18:30**
